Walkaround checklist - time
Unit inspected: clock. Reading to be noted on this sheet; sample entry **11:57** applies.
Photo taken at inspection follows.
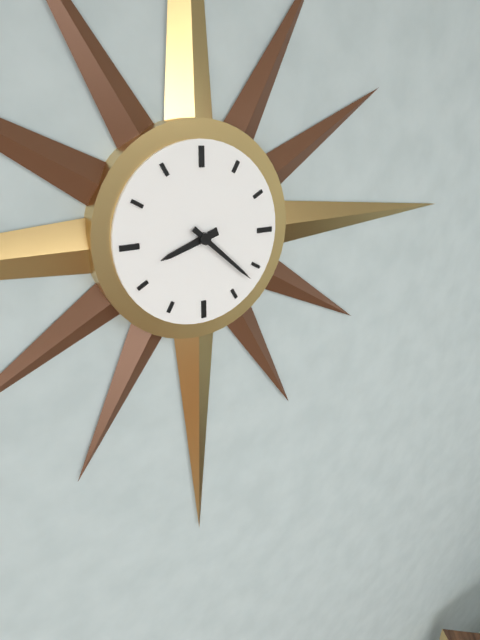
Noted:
**8:22**
